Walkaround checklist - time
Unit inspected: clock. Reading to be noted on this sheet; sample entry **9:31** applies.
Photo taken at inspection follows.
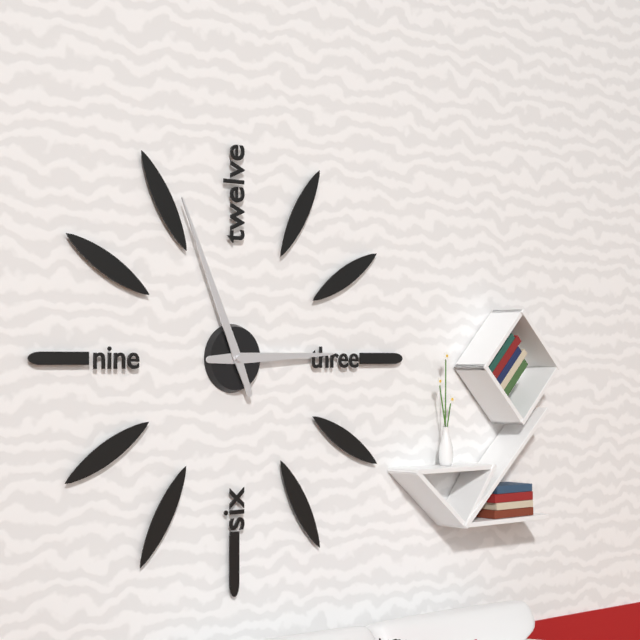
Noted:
**2:56**
